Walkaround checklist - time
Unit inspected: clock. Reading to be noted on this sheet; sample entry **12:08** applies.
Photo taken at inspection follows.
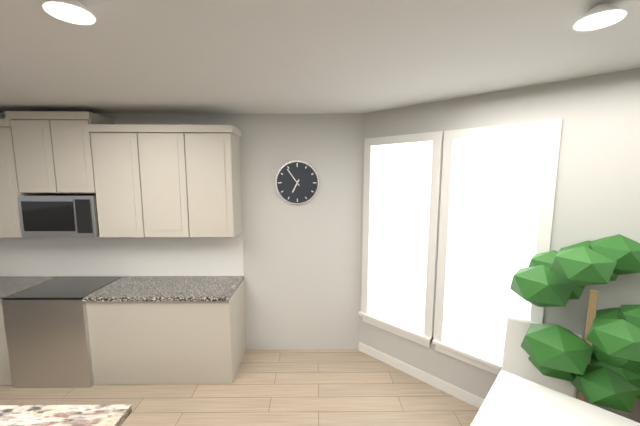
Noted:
**6:54**
